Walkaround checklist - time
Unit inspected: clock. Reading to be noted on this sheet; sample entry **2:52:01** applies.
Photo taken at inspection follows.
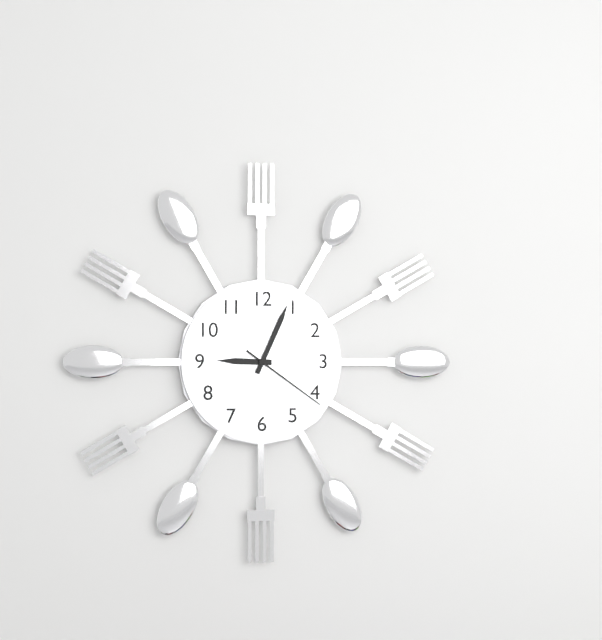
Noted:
**9:04:21**
